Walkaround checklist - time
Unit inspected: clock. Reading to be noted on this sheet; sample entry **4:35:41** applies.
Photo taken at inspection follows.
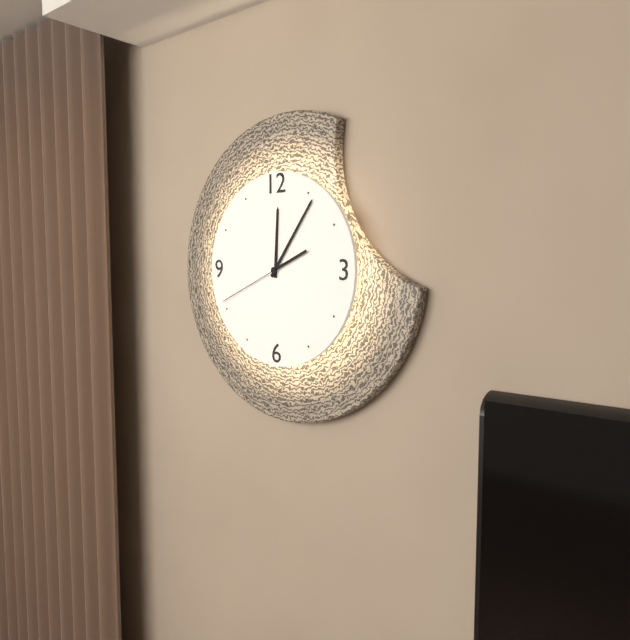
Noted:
**12:06:41**
